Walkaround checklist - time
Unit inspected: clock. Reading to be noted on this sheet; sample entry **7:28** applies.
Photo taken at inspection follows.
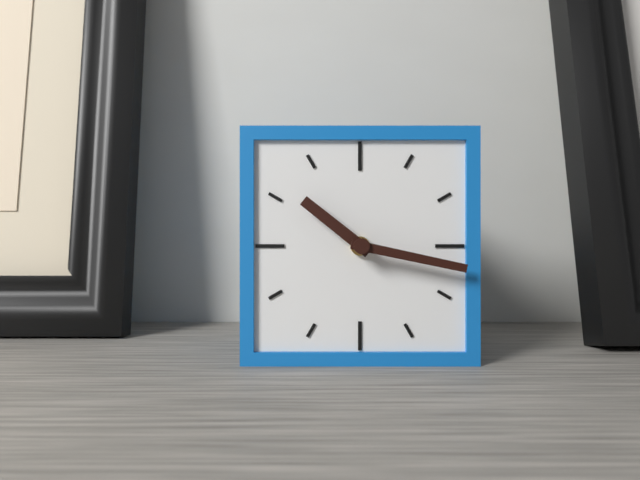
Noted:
**10:17**
